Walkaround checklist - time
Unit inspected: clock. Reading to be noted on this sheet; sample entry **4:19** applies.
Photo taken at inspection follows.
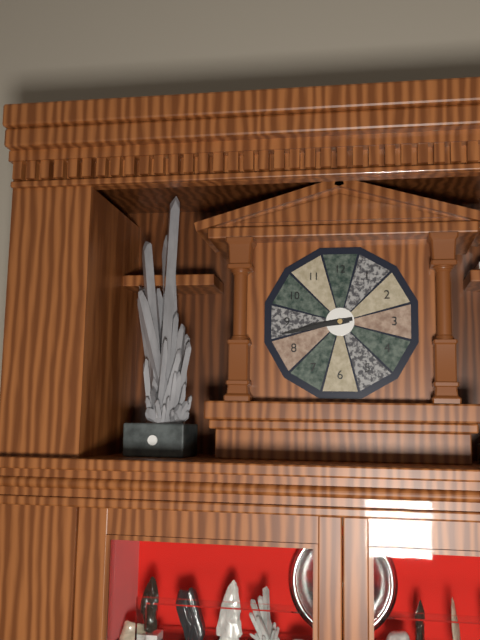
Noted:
**8:43**
